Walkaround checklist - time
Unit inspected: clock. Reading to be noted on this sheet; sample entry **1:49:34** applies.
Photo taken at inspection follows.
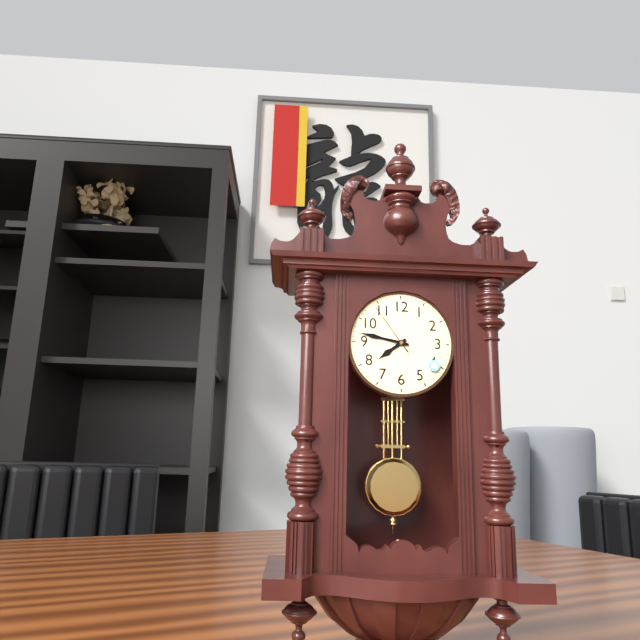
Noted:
**7:47:54**
